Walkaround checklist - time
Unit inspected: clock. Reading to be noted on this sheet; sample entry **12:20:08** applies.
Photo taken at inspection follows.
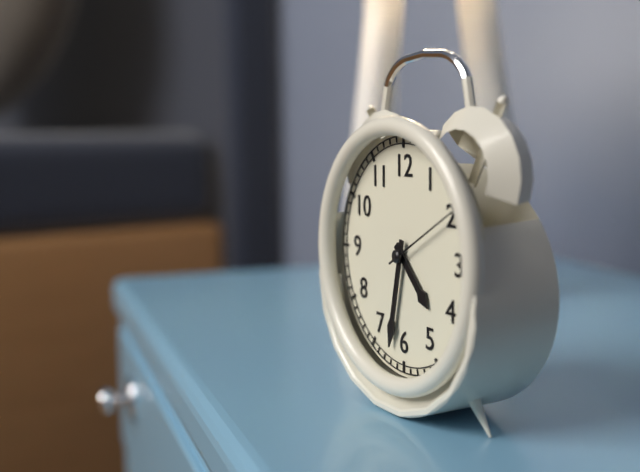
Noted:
**4:32:10**
